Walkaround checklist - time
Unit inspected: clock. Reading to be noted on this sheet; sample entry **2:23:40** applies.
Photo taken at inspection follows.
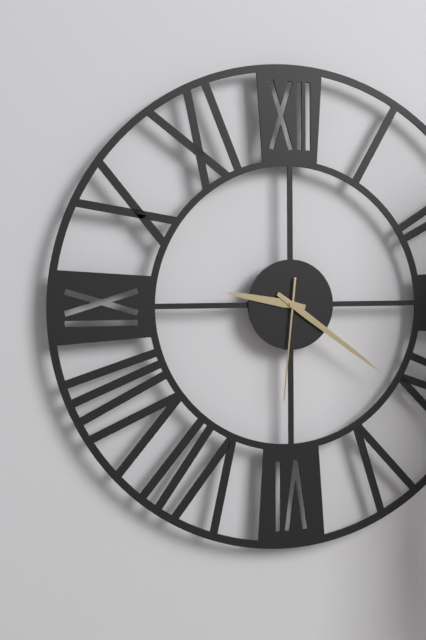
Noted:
**9:21:31**
